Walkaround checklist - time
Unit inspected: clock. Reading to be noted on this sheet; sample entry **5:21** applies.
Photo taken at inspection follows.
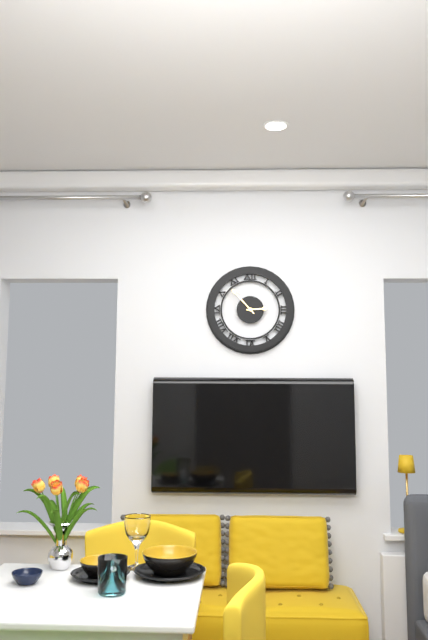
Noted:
**2:53**
